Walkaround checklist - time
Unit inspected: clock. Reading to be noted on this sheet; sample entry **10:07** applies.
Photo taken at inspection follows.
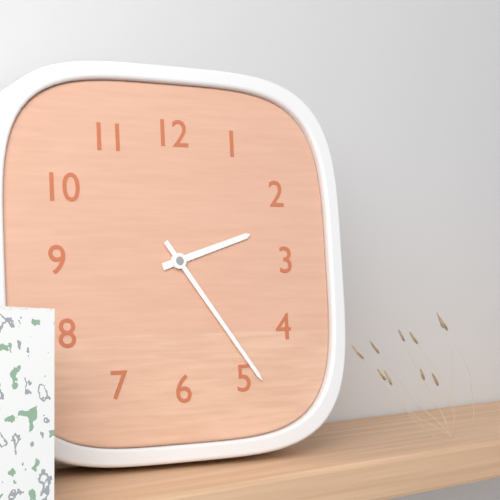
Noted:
**2:24**
